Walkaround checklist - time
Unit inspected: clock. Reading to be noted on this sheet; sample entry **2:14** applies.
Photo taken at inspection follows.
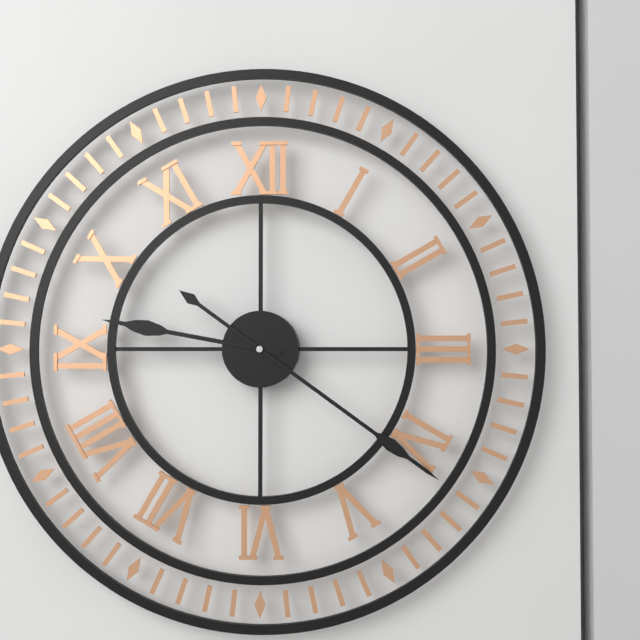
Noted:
**9:21**
